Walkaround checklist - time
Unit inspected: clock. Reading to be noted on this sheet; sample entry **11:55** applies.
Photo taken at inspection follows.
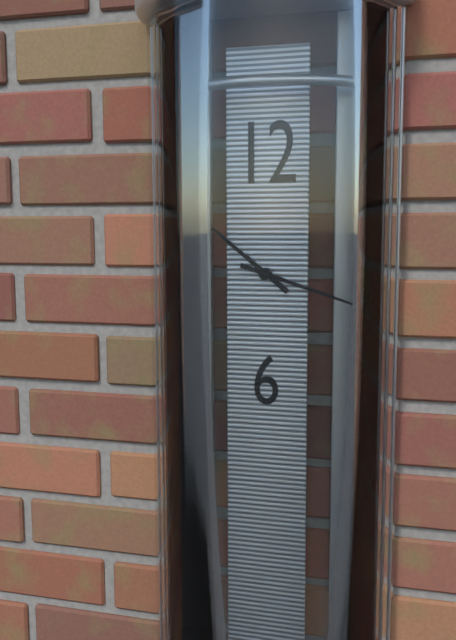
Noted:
**10:18**
